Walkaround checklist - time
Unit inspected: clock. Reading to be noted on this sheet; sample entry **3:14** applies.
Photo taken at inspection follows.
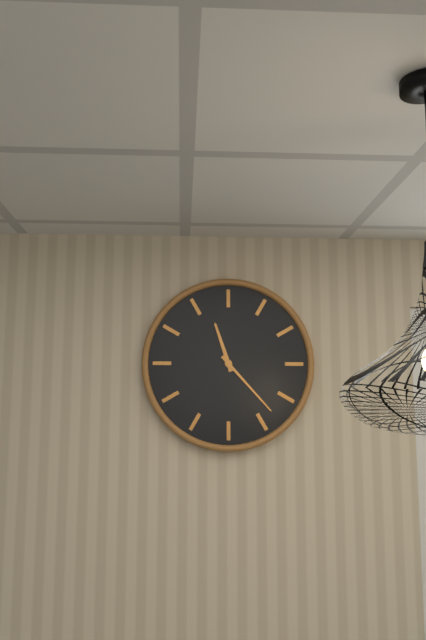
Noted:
**11:23**
